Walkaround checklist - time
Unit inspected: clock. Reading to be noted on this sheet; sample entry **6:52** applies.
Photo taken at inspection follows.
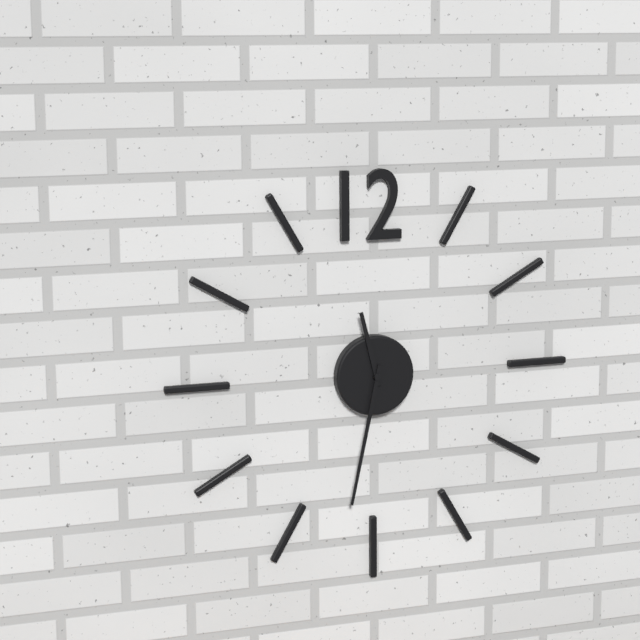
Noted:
**11:32**
